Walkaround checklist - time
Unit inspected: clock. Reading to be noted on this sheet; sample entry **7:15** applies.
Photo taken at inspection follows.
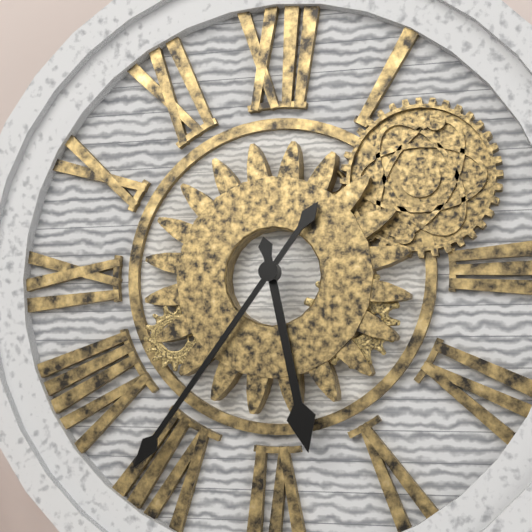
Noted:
**5:36**
